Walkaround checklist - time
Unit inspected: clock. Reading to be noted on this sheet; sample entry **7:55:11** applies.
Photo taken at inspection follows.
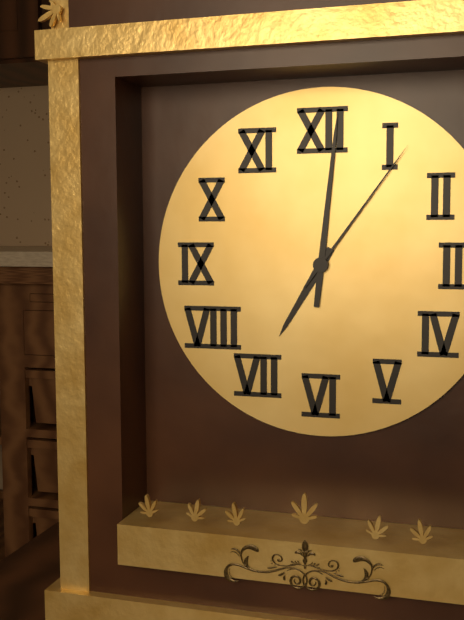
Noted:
**7:01:06**
